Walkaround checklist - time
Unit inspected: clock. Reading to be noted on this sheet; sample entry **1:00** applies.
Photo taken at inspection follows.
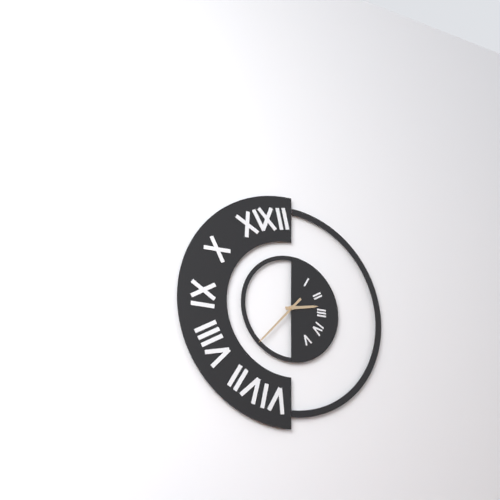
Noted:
**2:37**
